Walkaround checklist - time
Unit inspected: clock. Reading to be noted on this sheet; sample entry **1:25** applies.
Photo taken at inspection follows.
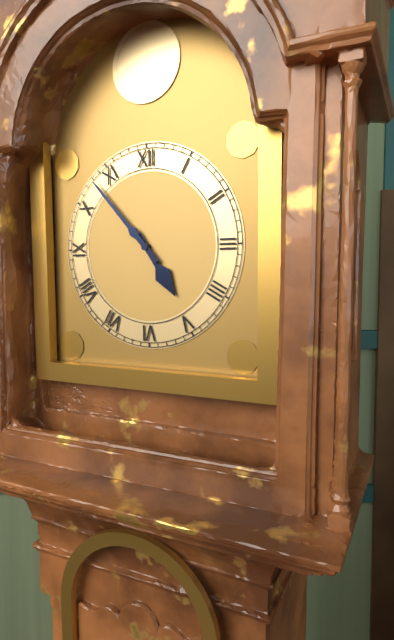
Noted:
**4:53**
